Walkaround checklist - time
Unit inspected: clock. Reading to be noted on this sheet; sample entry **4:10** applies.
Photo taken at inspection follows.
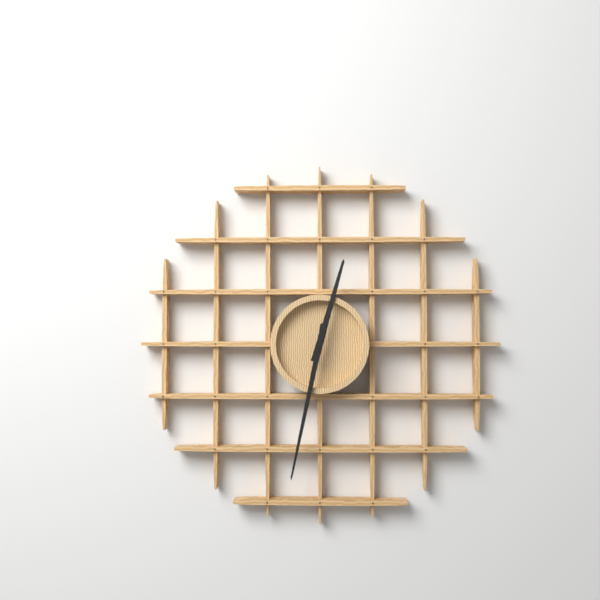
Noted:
**12:32**
